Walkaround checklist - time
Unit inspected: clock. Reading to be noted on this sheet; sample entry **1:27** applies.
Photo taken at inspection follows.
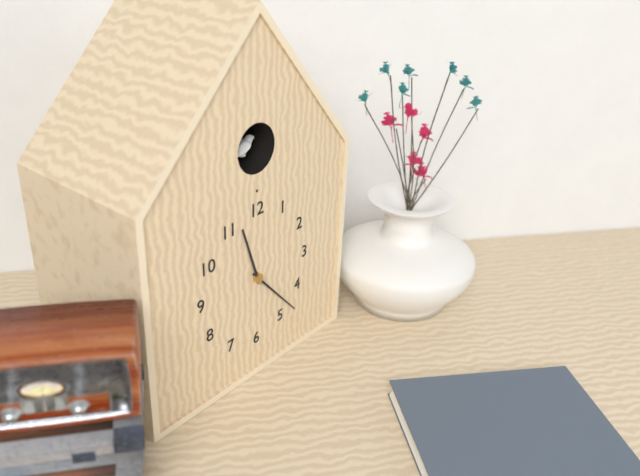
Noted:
**11:23**
